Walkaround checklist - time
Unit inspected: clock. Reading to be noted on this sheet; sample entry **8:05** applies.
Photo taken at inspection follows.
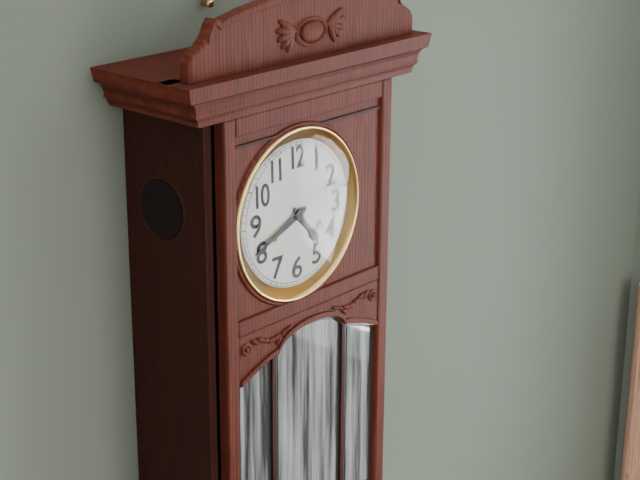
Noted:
**4:41**
